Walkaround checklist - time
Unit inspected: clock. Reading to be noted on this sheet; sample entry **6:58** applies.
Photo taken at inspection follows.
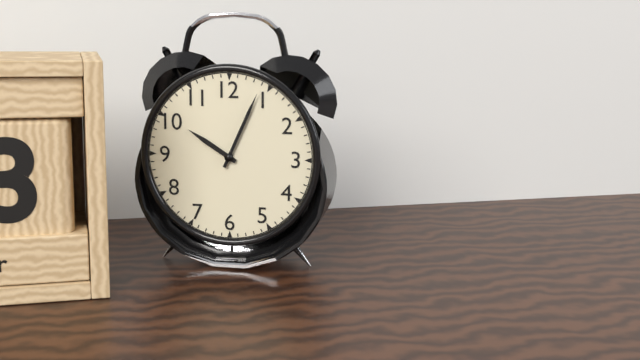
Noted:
**10:04**
